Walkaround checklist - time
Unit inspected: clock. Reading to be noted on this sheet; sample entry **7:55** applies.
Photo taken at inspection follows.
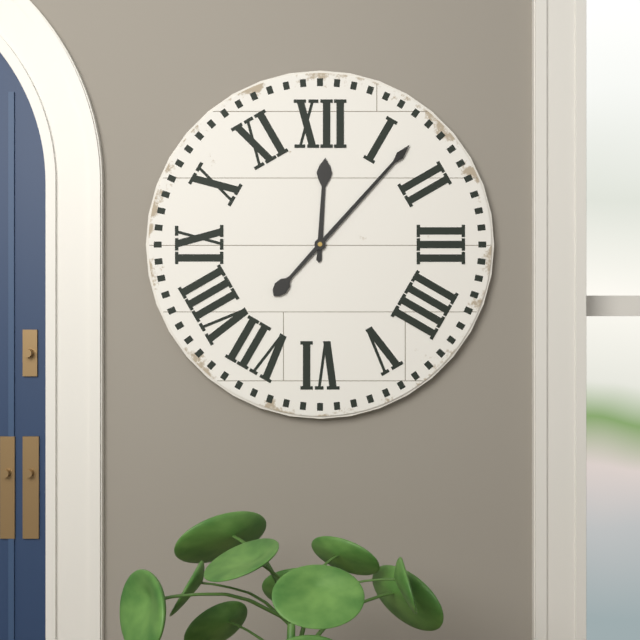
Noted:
**12:07**
